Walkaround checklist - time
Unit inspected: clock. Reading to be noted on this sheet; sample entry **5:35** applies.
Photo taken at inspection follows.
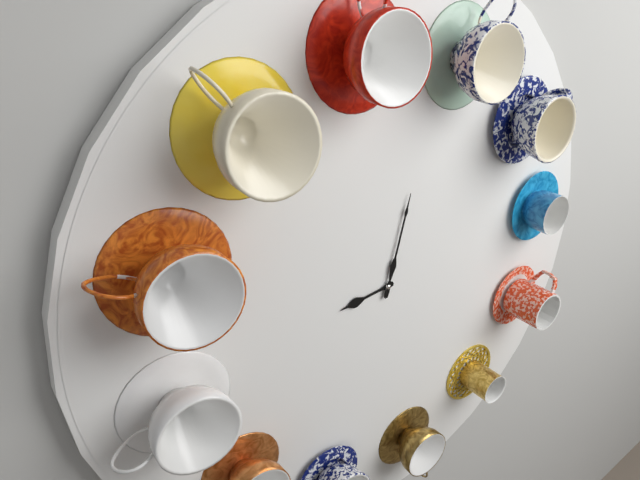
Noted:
**9:04**
